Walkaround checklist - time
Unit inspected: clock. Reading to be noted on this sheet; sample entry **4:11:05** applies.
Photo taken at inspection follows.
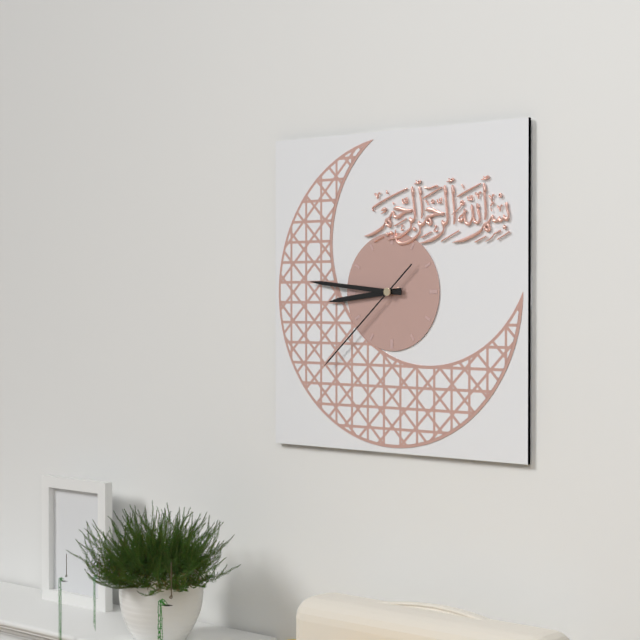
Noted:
**8:46:38**
